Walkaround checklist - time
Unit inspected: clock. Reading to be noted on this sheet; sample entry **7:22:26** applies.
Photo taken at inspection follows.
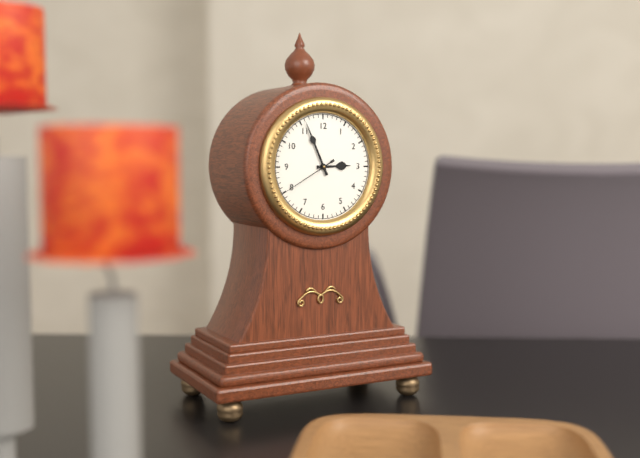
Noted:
**2:56:40**
